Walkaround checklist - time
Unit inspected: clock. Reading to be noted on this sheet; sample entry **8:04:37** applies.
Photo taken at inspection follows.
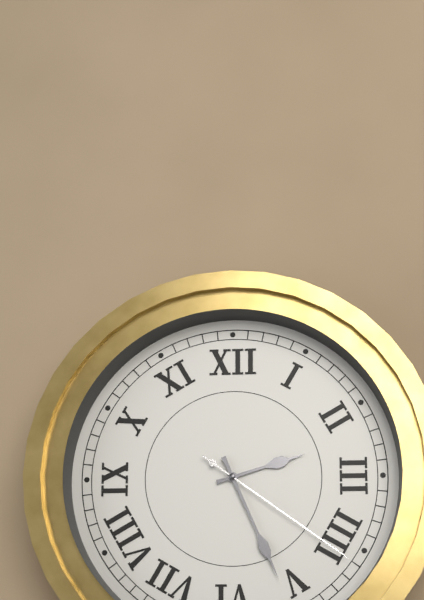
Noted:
**2:26:21**
